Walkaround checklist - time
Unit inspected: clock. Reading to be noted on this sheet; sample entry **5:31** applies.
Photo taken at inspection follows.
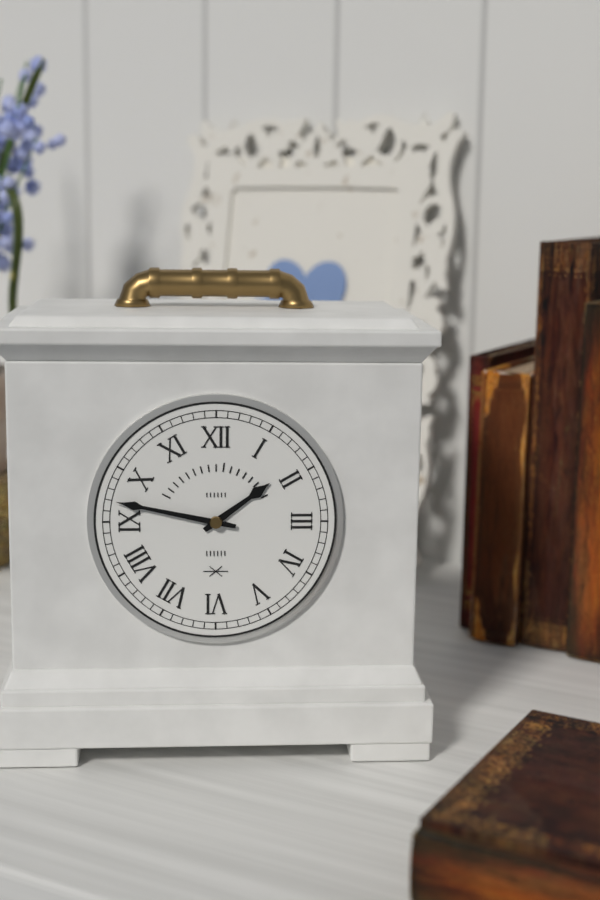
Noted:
**1:47**
